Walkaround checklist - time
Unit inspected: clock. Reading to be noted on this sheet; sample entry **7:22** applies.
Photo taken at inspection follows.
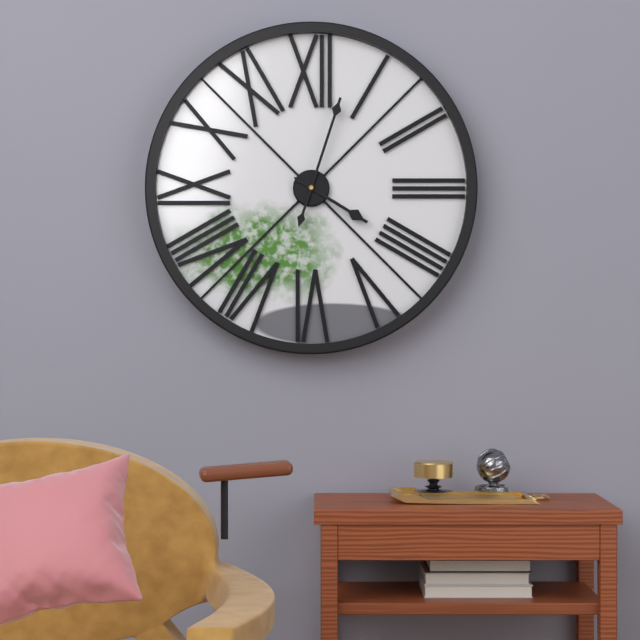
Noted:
**4:03**
